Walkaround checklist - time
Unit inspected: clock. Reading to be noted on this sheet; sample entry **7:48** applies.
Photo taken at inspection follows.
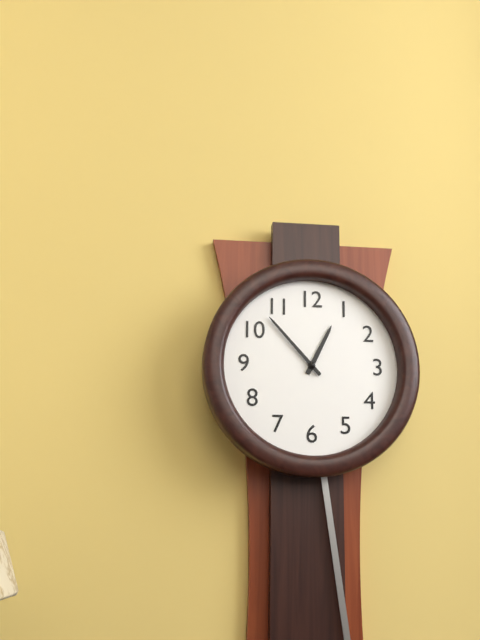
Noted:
**12:53**
